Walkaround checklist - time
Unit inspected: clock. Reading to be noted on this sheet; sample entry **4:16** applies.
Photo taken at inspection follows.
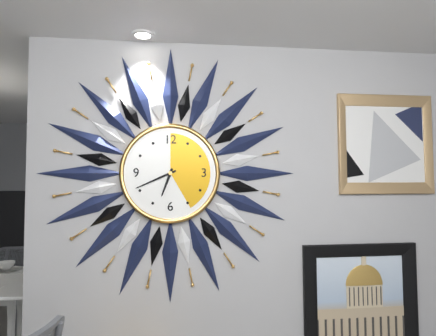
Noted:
**6:41**
